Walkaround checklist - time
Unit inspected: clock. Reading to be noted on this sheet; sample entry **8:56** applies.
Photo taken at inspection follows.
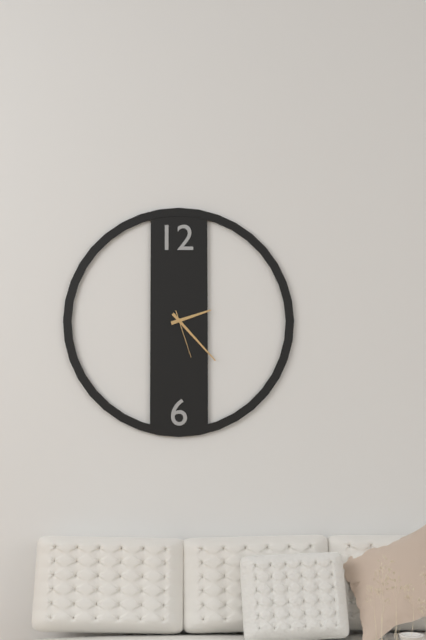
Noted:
**2:23**
